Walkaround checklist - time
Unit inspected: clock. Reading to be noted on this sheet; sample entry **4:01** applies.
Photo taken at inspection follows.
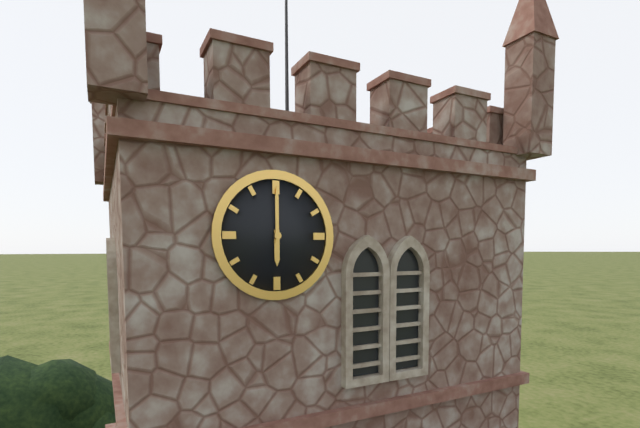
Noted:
**6:00**
